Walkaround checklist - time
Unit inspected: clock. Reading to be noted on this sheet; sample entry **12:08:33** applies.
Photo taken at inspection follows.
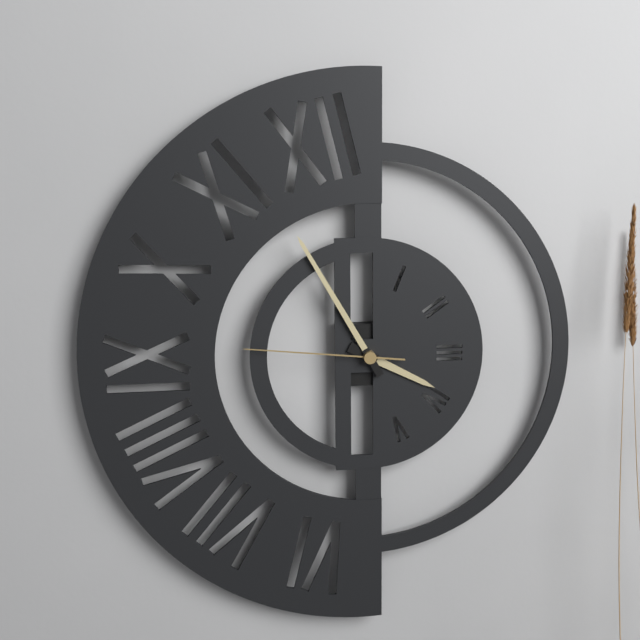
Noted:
**3:55:46**
